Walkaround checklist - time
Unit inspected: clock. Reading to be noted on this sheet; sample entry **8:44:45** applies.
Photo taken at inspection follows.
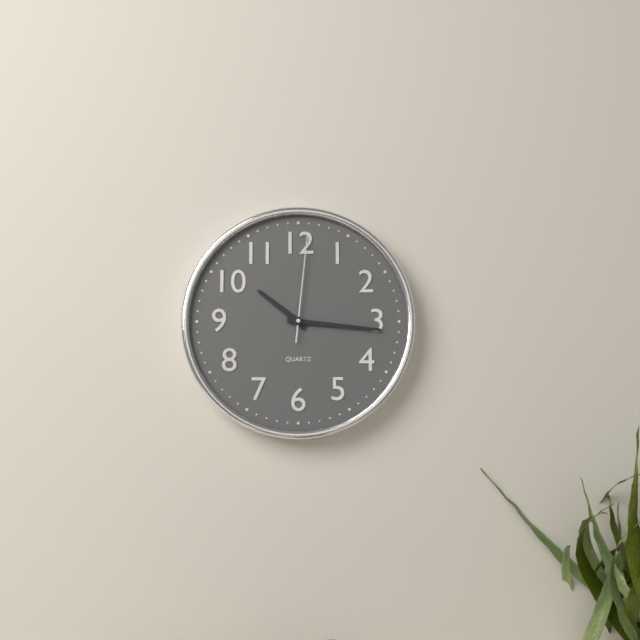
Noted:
**10:16:01**
